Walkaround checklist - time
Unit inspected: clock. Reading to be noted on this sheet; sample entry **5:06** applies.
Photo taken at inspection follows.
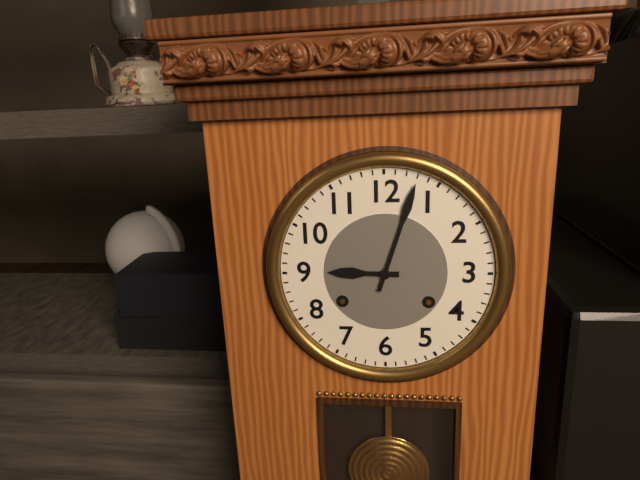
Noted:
**9:03**
